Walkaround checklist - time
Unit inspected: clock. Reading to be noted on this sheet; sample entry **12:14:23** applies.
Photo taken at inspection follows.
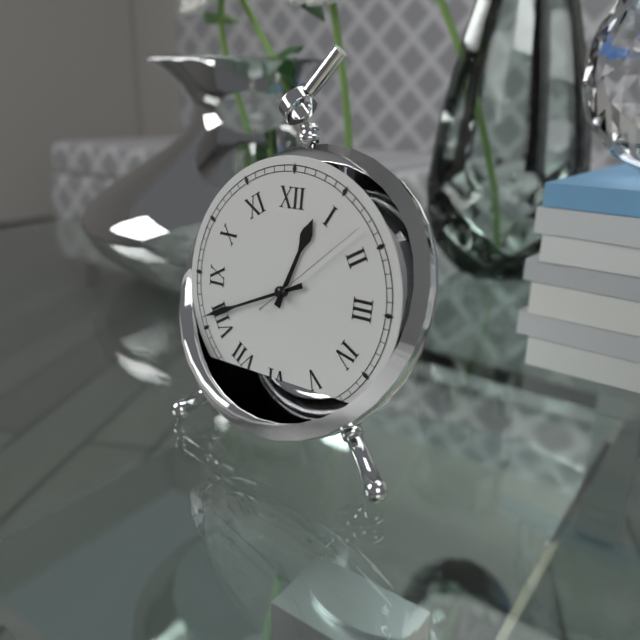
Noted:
**12:41:08**
